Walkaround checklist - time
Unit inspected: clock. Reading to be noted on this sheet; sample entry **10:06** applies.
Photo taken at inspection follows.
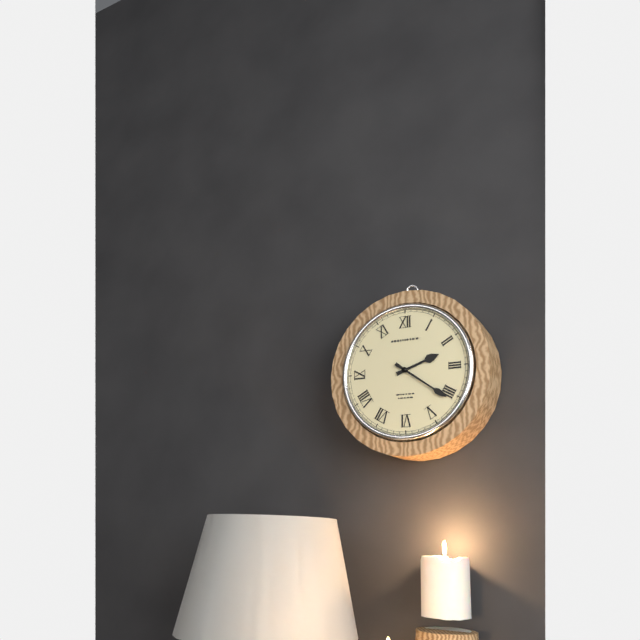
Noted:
**2:21**
